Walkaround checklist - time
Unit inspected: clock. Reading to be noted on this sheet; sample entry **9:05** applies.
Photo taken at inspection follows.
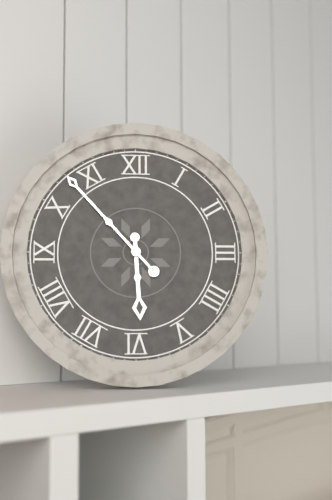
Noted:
**5:53**
